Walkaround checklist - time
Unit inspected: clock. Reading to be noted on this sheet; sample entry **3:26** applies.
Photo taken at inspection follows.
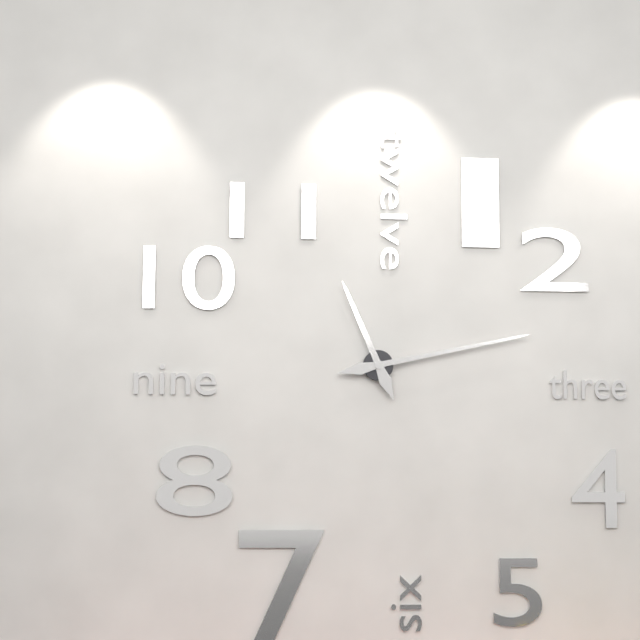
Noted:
**11:13**
